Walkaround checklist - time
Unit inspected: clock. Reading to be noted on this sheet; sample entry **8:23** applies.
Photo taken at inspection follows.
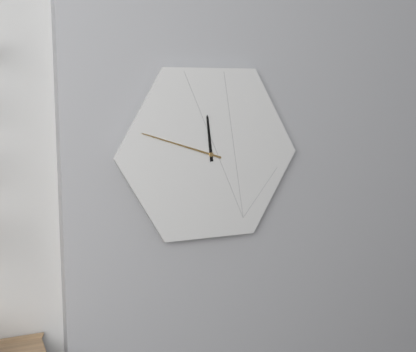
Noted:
**11:48**
